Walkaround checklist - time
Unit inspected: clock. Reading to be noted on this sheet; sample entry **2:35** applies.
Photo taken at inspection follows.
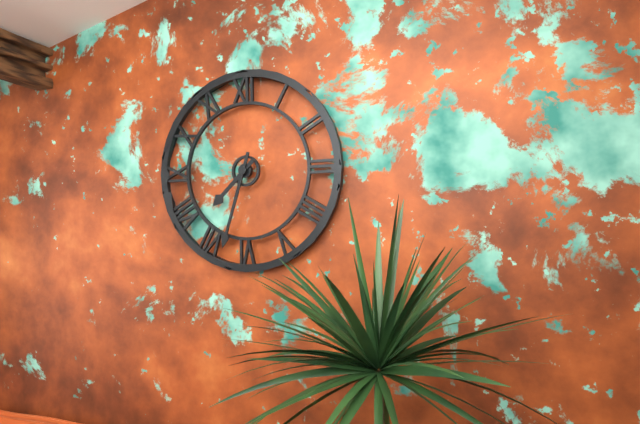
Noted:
**7:33**
